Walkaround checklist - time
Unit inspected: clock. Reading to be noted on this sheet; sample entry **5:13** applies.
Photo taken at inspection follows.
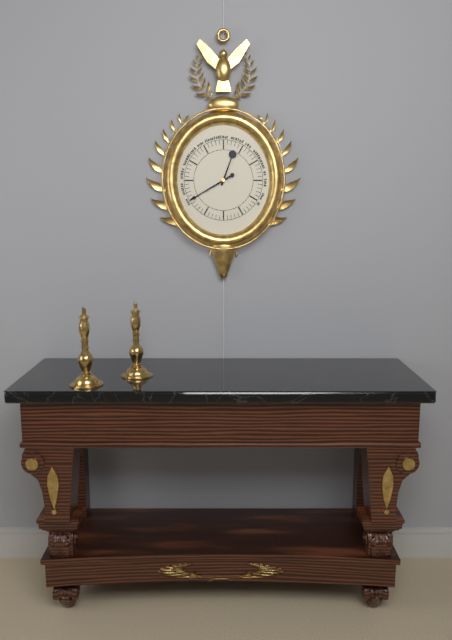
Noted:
**12:40**
